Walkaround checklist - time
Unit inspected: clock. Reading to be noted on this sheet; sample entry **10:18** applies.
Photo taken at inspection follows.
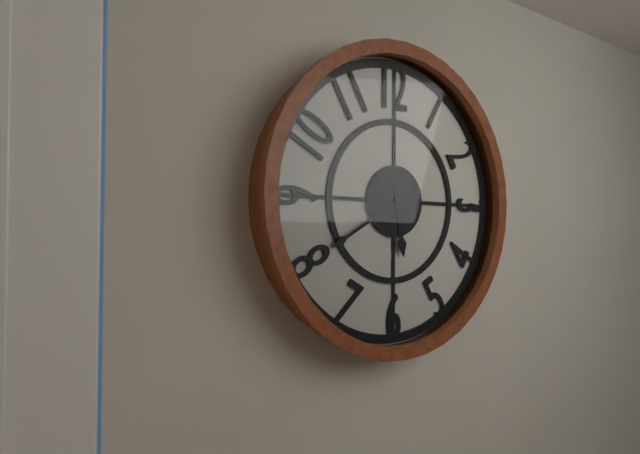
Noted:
**5:40**
